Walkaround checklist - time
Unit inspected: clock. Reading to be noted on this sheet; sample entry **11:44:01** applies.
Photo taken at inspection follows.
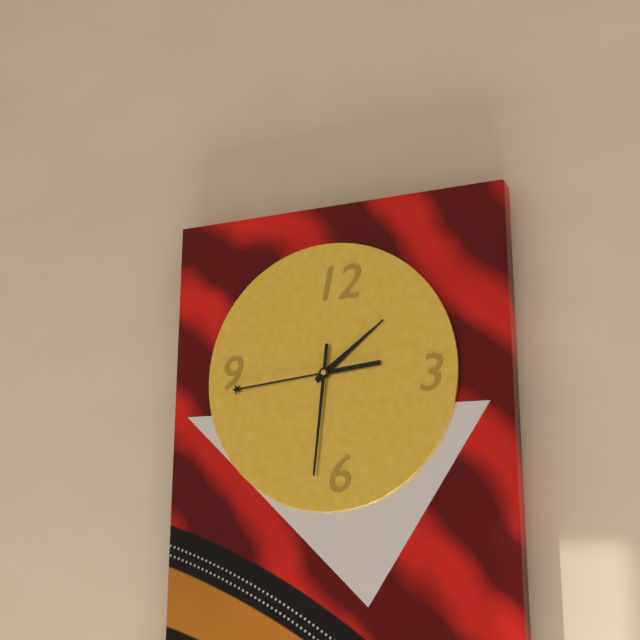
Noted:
**1:44:31**
